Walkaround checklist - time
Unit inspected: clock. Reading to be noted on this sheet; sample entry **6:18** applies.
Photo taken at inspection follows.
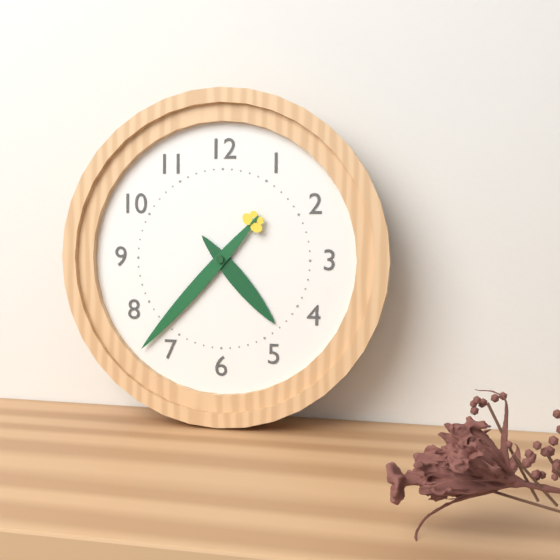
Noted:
**4:37**
